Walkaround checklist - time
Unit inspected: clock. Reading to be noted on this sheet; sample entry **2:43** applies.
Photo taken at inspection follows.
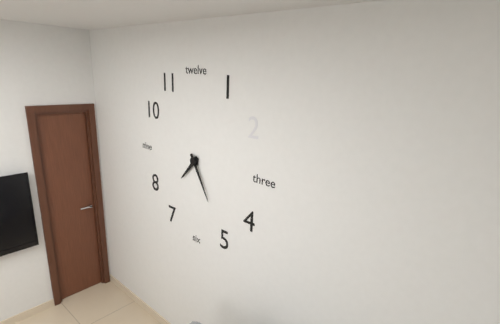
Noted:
**7:25**
